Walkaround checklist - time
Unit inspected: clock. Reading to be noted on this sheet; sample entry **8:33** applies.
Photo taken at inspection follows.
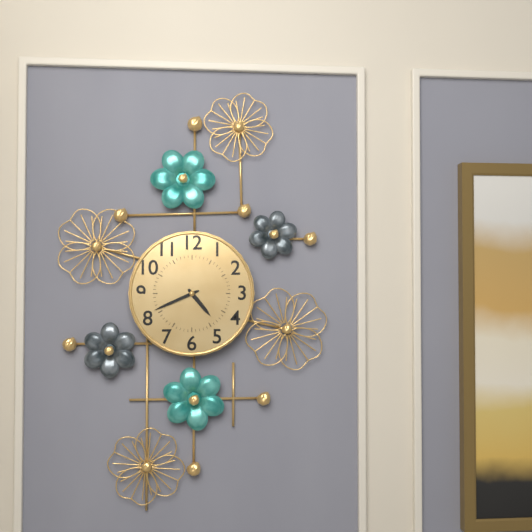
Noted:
**4:41**
